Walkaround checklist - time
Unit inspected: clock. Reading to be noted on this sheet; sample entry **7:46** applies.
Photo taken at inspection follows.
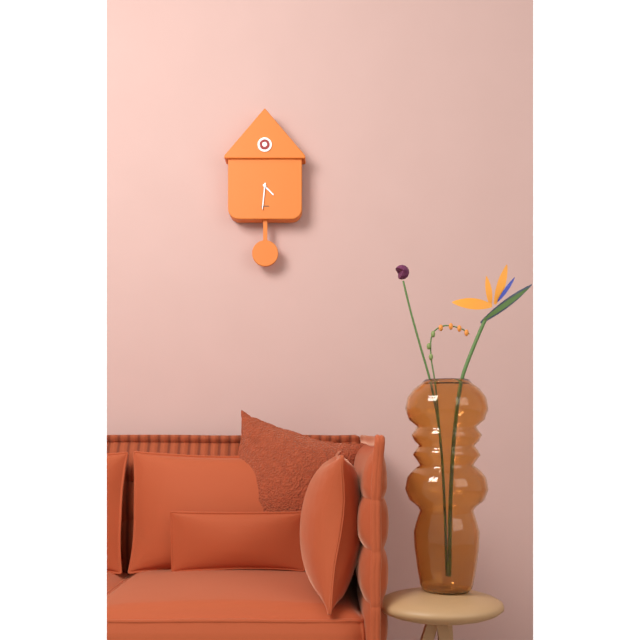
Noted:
**4:31**
